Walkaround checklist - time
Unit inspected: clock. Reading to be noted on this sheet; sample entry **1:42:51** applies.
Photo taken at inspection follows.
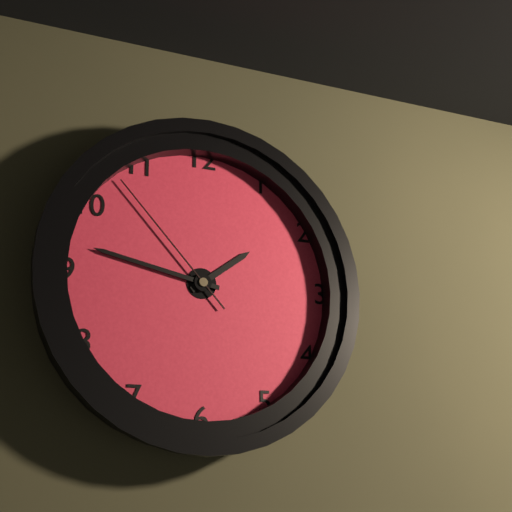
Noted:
**1:47:53**
